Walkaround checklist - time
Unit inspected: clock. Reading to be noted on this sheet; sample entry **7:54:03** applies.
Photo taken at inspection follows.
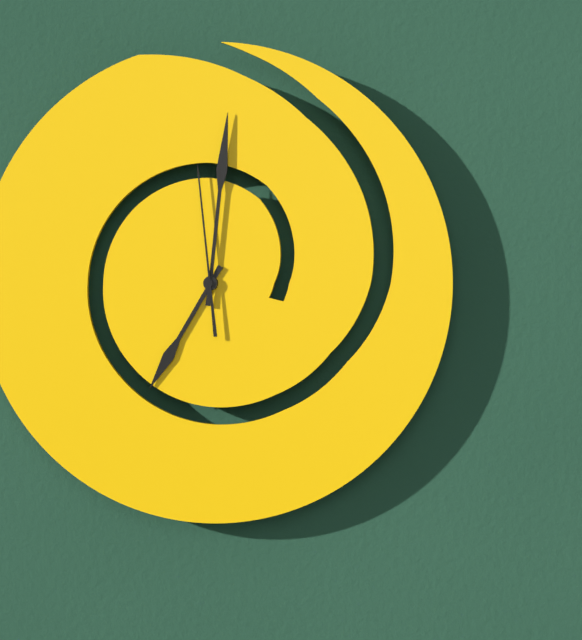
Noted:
**7:01:59**
